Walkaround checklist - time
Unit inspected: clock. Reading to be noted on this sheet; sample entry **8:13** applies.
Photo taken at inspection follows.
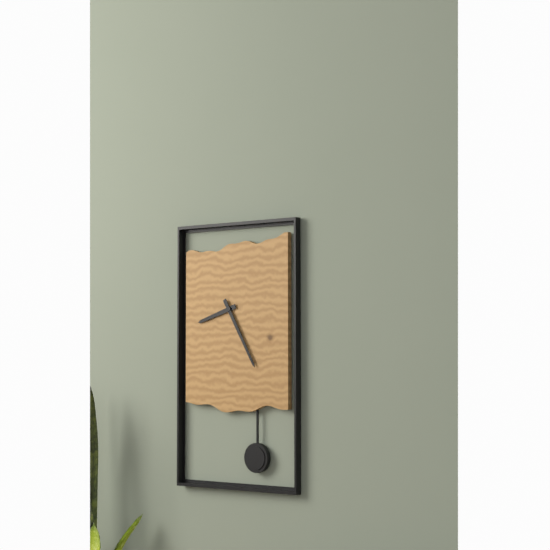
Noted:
**8:25**
